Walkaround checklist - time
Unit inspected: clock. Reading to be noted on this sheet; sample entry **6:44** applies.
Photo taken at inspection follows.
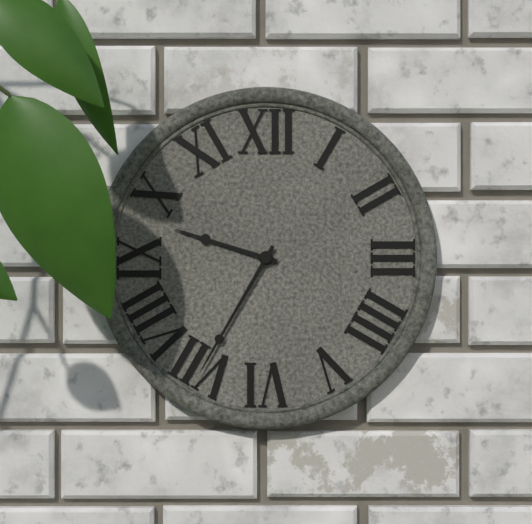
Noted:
**9:35**
